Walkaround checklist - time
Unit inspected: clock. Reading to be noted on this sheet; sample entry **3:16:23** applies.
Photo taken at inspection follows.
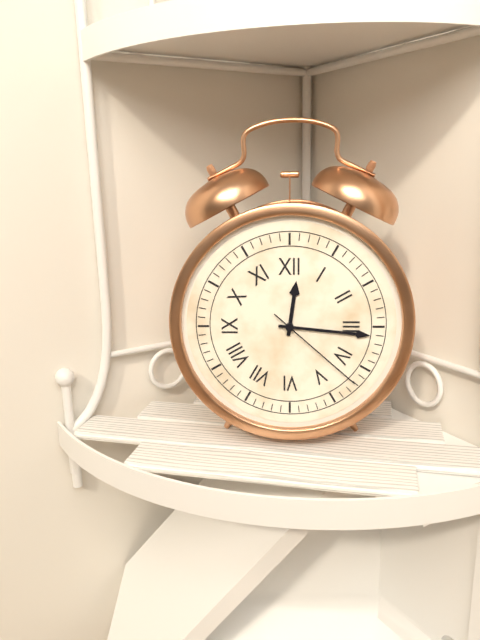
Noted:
**12:16:22**
